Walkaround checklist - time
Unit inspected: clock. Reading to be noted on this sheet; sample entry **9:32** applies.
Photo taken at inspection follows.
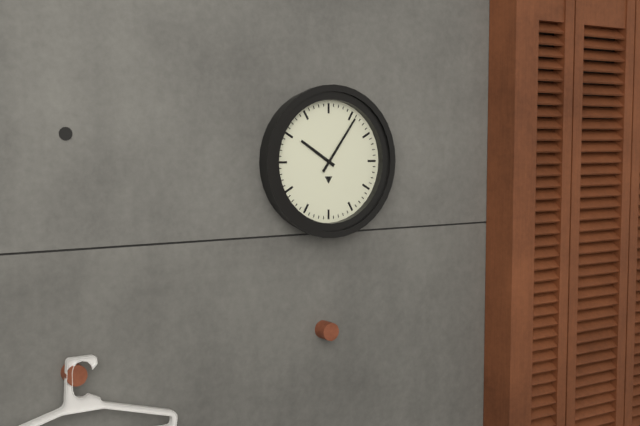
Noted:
**10:06**
